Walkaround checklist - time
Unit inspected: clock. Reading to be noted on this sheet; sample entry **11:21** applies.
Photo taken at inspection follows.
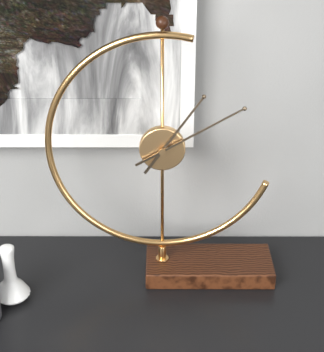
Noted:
**1:10**
